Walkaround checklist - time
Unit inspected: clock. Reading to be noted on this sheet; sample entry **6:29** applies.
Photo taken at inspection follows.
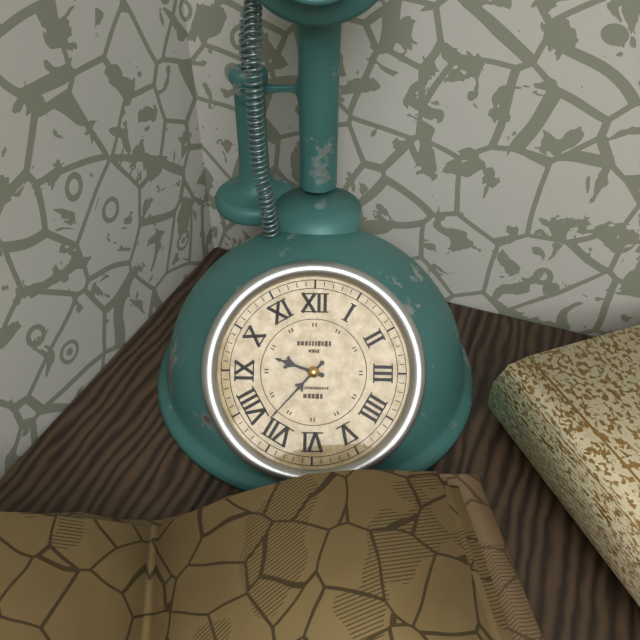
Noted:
**9:37**
